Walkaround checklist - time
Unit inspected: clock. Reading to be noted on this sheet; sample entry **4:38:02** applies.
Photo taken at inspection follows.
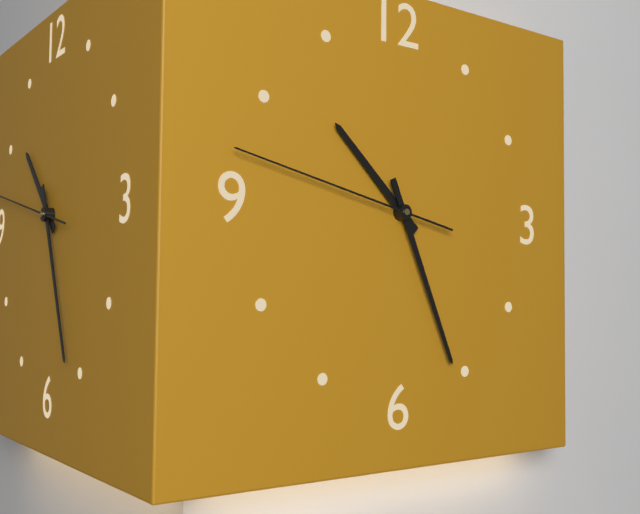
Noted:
**10:26:47**
